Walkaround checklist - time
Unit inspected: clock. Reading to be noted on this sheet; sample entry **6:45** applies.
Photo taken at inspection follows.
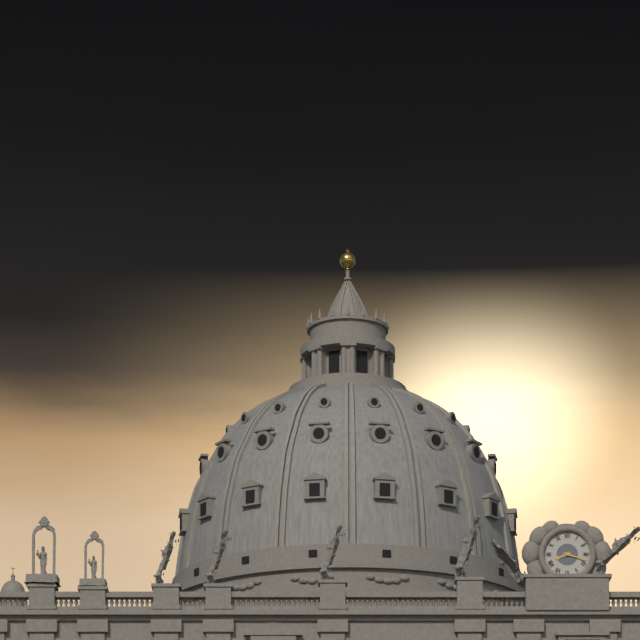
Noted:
**8:18**
